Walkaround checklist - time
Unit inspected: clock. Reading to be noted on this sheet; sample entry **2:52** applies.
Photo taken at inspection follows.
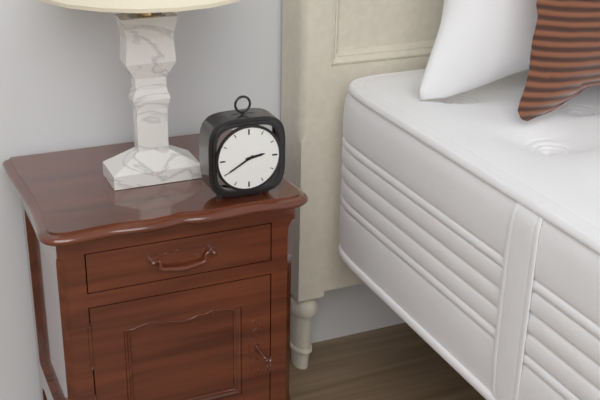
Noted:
**2:40**
